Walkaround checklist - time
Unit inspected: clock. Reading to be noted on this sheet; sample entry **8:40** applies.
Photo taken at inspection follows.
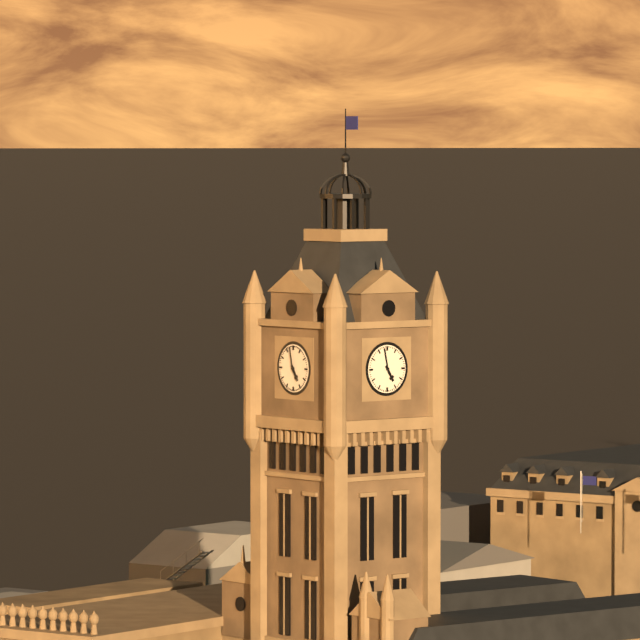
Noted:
**4:58**
